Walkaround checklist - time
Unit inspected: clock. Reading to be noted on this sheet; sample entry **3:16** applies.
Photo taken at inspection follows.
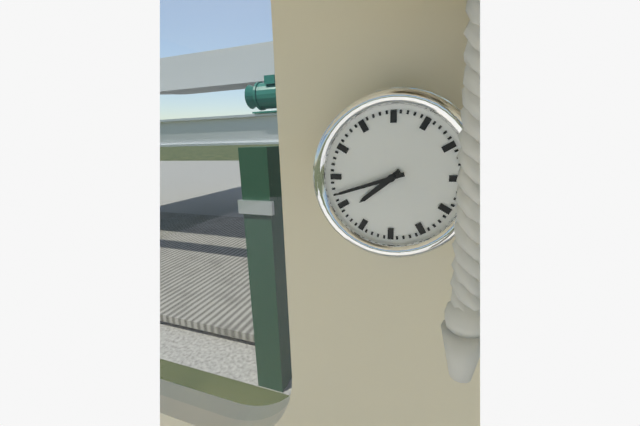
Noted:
**7:42**
